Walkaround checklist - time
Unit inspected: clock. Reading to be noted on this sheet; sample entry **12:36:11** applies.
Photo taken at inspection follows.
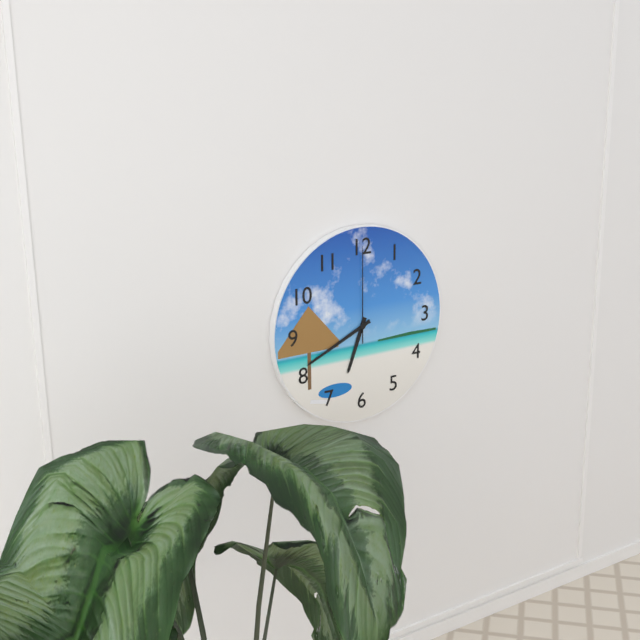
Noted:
**6:41:00**
